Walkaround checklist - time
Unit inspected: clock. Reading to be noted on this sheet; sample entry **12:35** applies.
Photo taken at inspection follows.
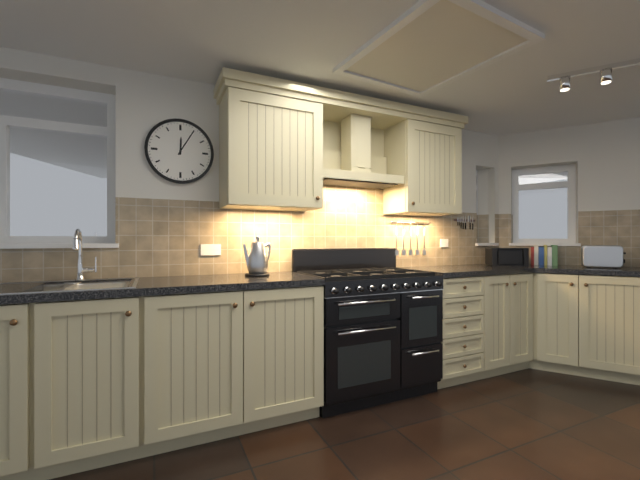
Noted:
**12:05**
